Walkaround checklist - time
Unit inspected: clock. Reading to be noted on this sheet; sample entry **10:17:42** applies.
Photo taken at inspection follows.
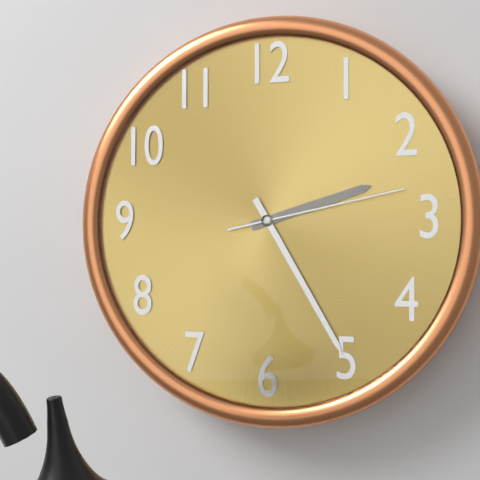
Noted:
**2:25:13**
